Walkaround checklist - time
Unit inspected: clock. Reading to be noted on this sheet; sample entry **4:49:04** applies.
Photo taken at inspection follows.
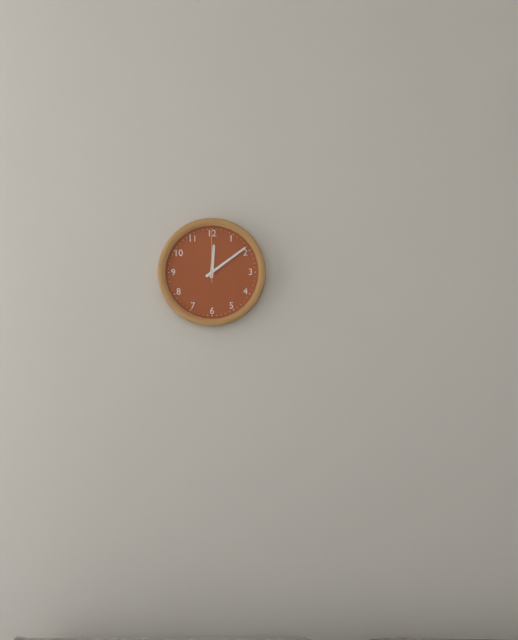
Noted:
**12:09:00**
